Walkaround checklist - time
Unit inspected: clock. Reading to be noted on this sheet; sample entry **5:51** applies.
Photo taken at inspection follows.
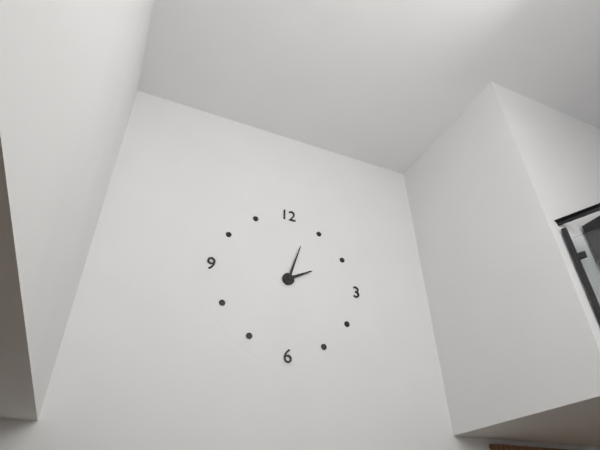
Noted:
**2:03**
